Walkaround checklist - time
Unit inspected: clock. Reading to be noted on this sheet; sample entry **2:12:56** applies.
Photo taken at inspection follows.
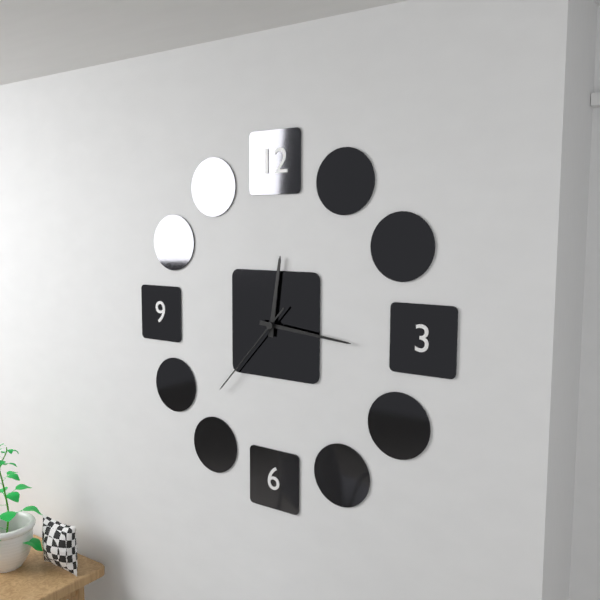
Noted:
**12:16:37**
